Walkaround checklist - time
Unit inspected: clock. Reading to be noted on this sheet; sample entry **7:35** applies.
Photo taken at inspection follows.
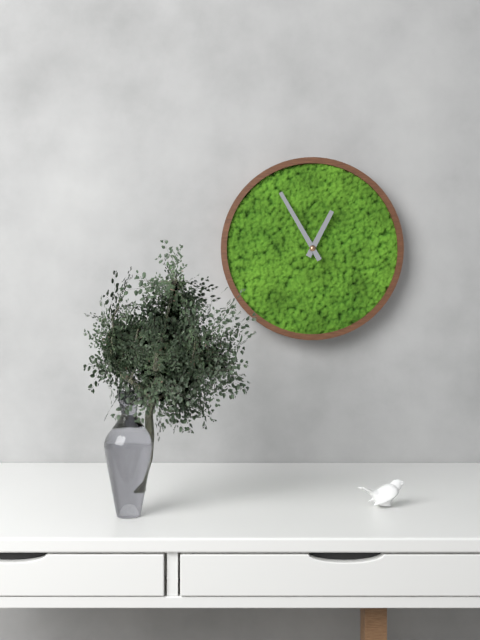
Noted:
**12:55**
